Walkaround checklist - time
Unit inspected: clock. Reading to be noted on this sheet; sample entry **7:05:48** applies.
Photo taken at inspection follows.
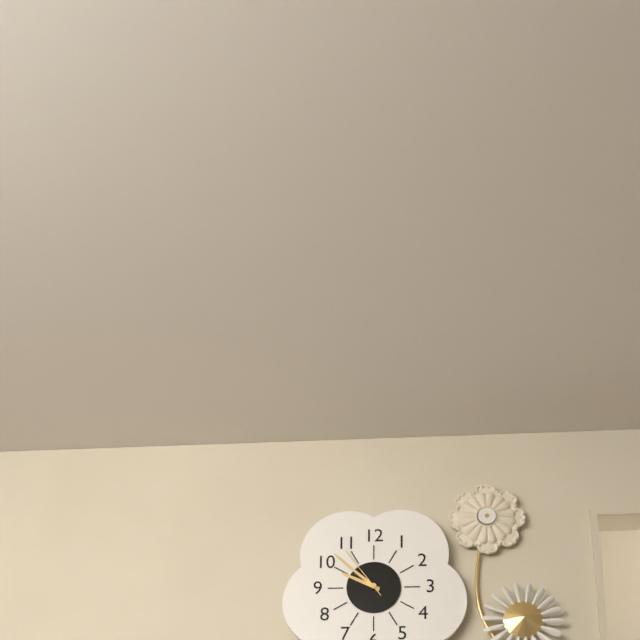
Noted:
**9:52:54**
